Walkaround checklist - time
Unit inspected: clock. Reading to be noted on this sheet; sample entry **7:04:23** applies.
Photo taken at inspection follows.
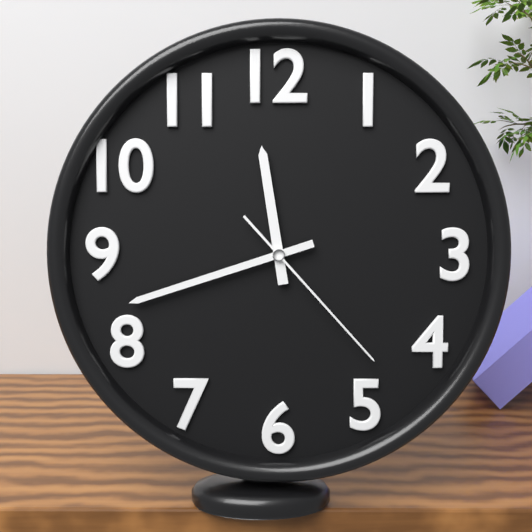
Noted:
**11:42:23**
